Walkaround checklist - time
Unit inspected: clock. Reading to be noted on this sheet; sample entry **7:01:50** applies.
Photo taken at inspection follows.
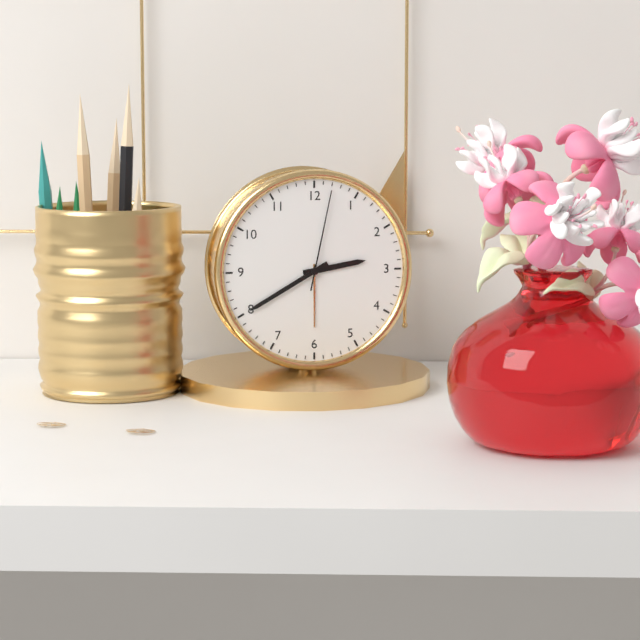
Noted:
**2:40:02**
